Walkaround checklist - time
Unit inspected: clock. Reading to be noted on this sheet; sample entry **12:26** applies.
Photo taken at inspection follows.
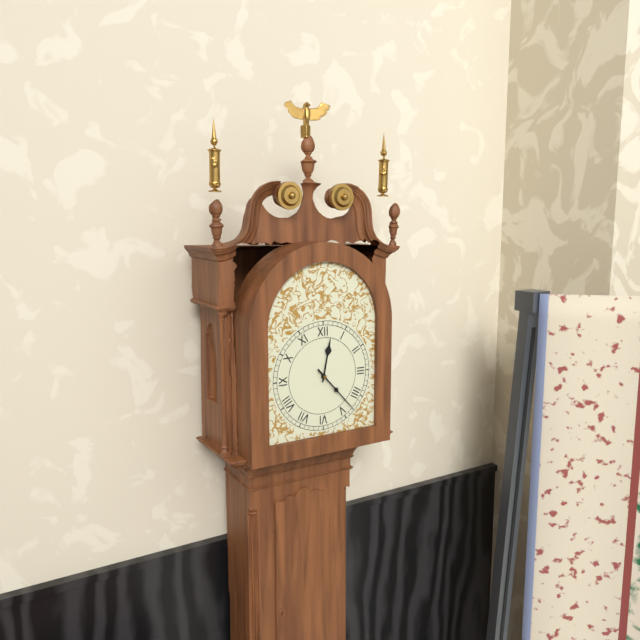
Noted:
**12:23**
